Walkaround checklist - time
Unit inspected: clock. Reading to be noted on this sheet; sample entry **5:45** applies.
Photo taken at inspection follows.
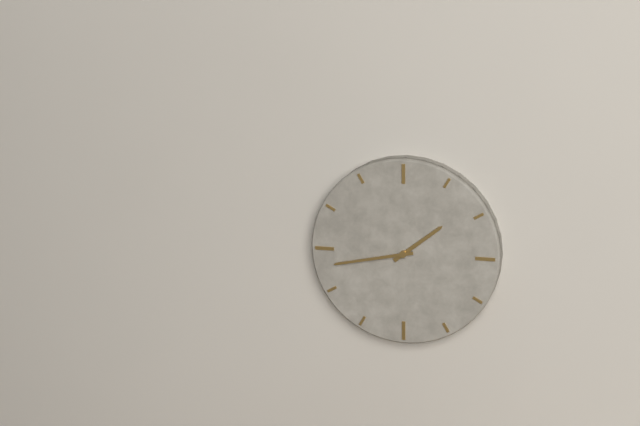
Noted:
**1:43**
